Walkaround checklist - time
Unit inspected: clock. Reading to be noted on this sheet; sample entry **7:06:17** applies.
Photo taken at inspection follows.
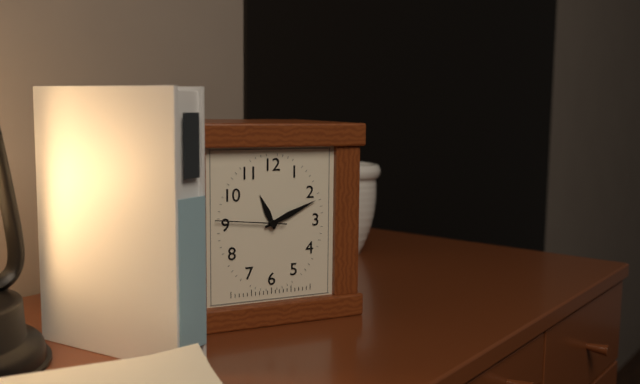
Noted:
**11:11:46**
